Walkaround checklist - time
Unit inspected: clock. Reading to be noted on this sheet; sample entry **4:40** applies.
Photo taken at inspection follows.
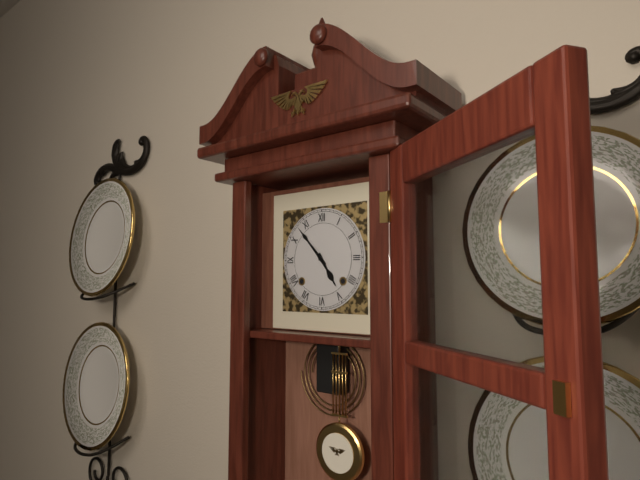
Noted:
**4:53**
